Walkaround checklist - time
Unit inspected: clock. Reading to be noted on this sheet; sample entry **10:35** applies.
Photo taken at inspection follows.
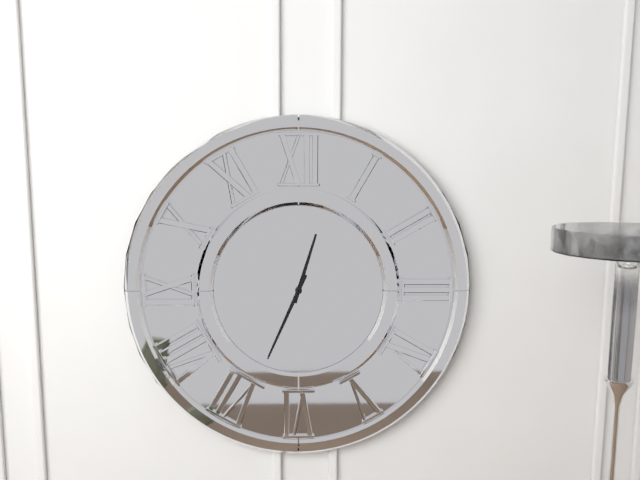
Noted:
**12:34**
